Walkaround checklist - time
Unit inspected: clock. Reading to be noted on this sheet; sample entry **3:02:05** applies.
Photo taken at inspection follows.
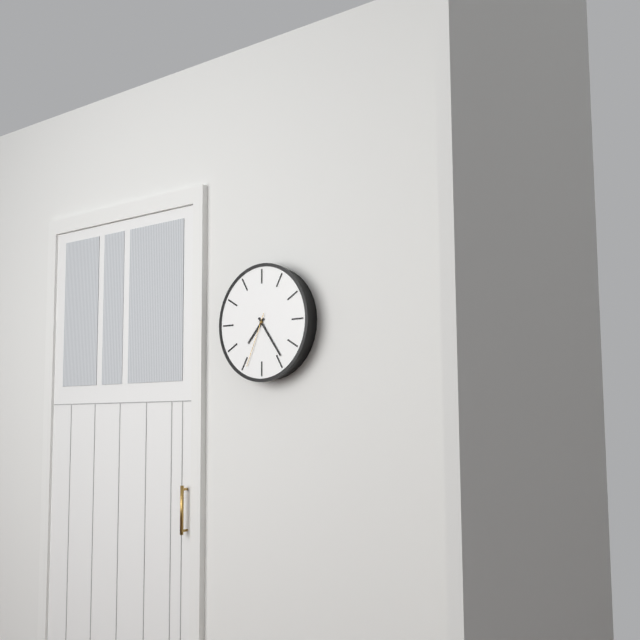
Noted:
**7:24:34**
